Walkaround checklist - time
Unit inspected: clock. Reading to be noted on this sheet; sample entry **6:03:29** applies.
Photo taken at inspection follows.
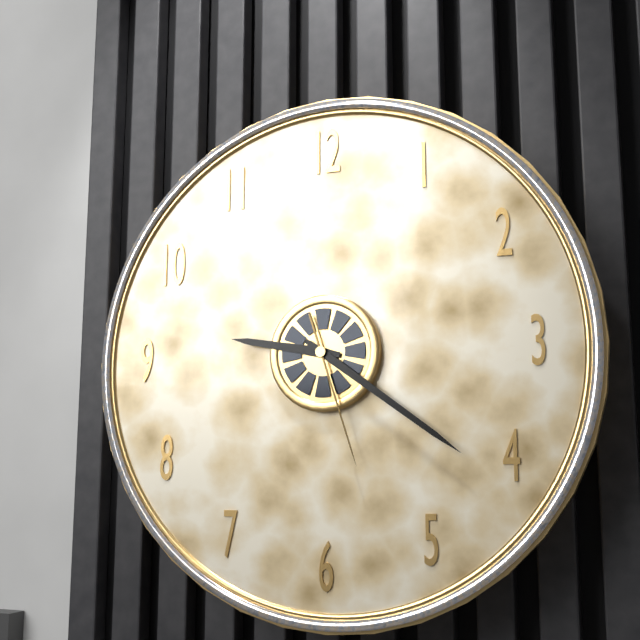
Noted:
**9:21:27**
